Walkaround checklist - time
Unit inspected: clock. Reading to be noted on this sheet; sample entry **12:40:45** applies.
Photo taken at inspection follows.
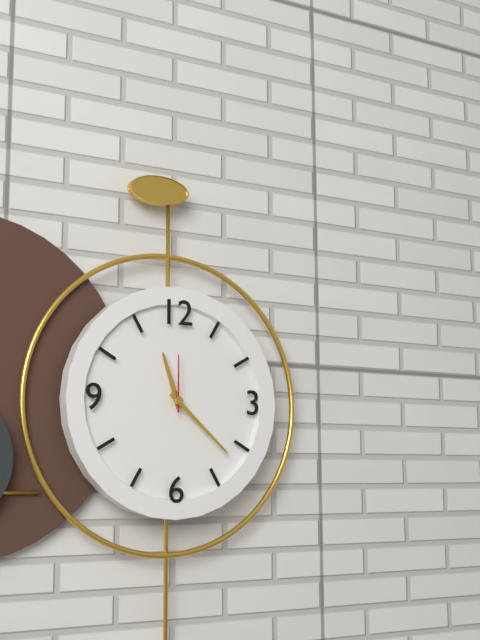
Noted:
**11:22:00**
